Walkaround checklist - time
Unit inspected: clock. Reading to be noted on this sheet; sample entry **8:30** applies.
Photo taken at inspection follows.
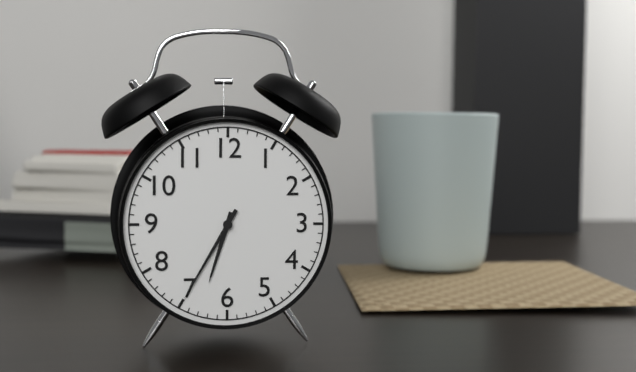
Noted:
**6:35**
